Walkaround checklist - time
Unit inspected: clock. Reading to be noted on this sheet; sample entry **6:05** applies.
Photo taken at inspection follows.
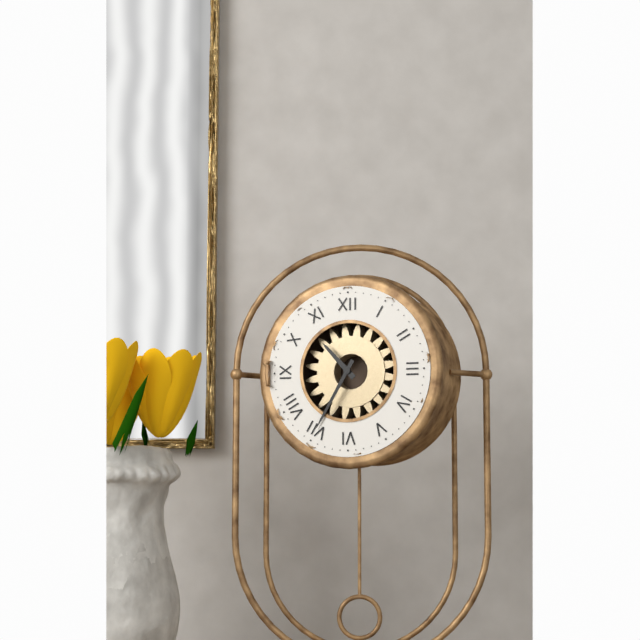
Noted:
**10:35**
